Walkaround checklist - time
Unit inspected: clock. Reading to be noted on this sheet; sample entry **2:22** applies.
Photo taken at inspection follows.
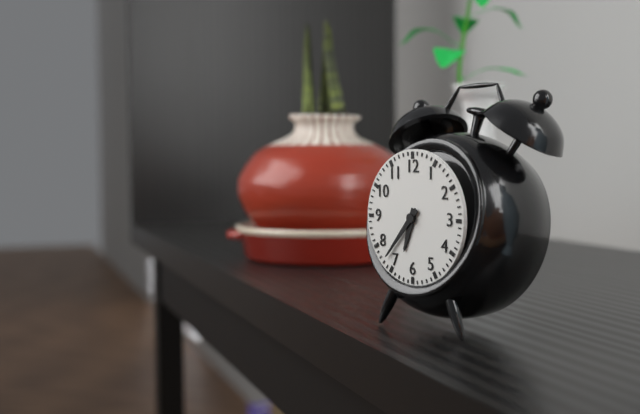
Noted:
**6:37**
